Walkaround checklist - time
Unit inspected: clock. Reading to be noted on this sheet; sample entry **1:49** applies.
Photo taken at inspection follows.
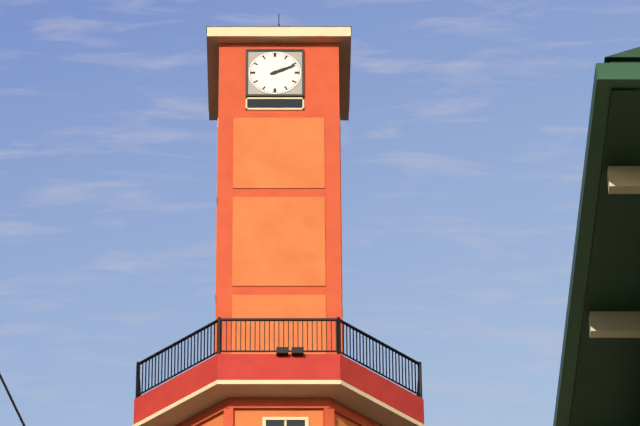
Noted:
**2:11**
